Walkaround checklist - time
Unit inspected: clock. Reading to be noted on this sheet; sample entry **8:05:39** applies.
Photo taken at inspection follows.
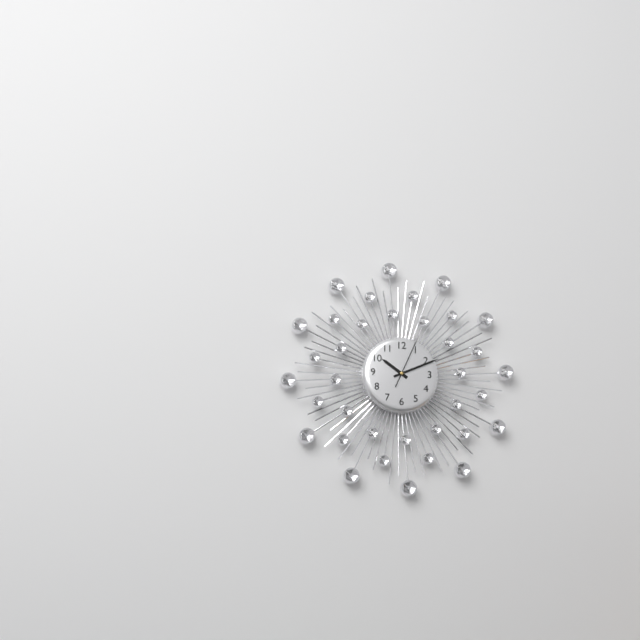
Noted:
**10:11:04**
